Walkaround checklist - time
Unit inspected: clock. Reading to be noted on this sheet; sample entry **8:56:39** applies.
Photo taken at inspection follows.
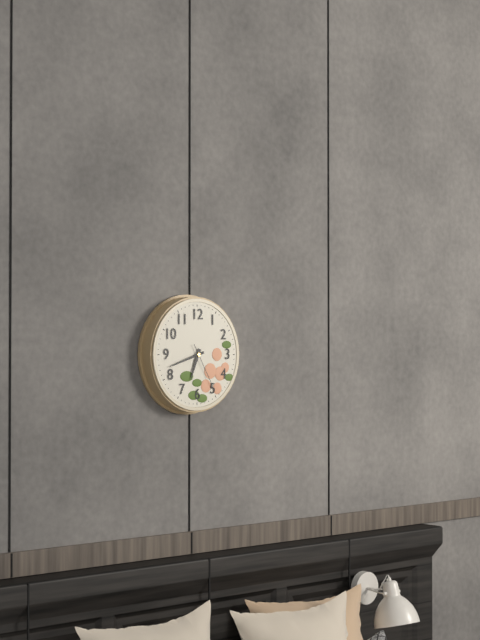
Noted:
**6:42:25**
